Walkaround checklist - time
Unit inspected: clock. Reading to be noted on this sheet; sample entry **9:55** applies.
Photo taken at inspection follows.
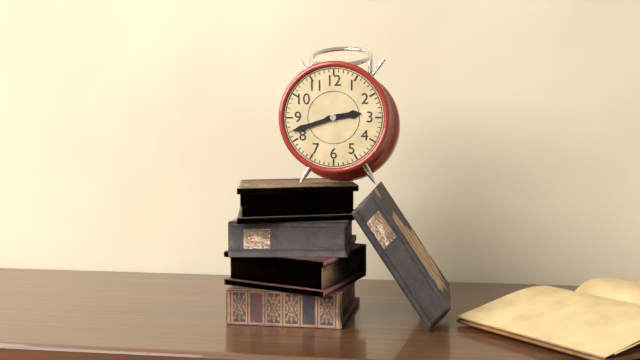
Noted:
**2:42**
